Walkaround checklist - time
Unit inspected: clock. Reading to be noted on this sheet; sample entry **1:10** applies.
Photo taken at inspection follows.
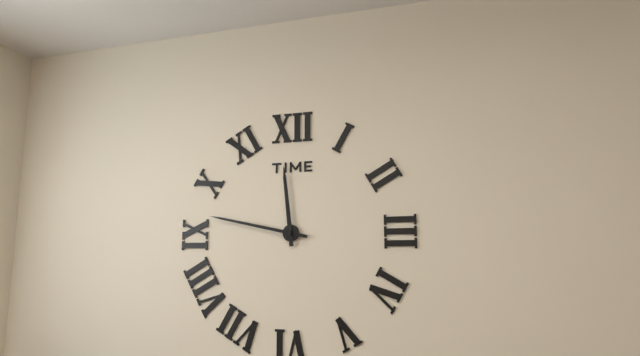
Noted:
**11:47**
